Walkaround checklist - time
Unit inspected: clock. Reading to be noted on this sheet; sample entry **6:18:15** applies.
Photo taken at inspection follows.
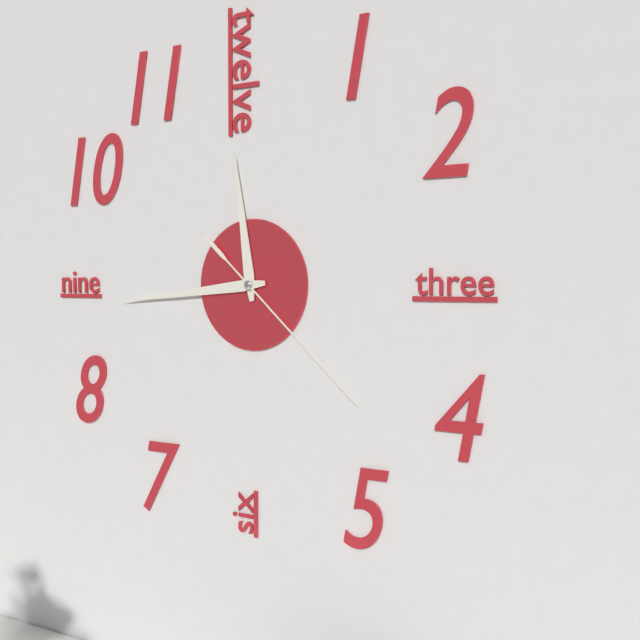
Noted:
**11:44:22**
